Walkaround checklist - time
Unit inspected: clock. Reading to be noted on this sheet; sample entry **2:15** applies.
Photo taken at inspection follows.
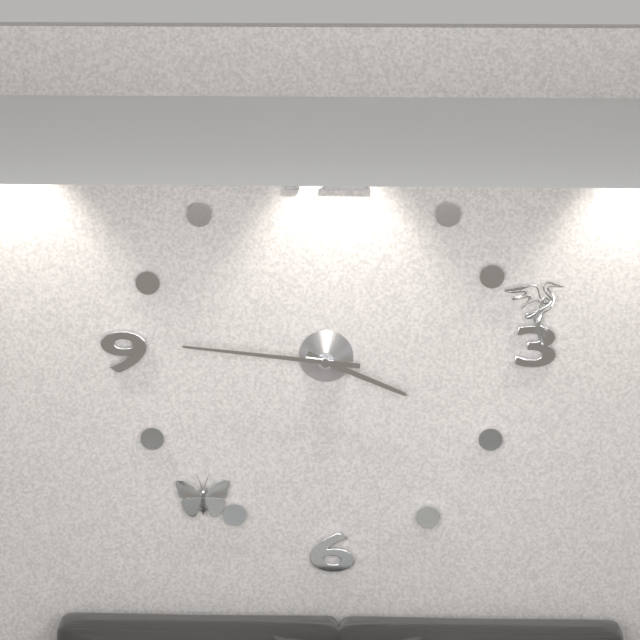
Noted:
**3:46**
